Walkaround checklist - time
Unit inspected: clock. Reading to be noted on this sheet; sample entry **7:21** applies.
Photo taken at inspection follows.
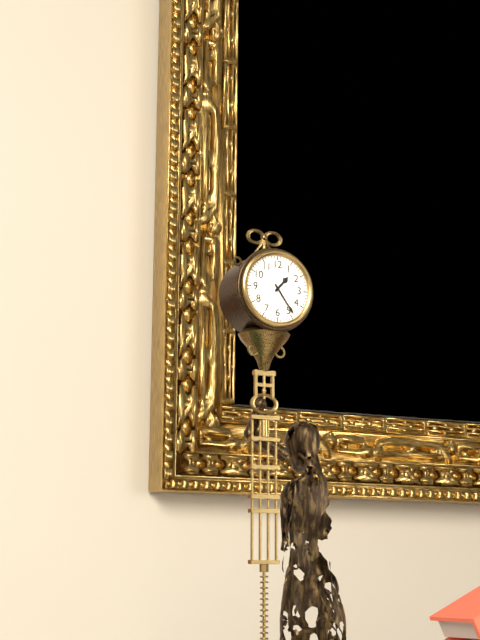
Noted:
**1:24**
